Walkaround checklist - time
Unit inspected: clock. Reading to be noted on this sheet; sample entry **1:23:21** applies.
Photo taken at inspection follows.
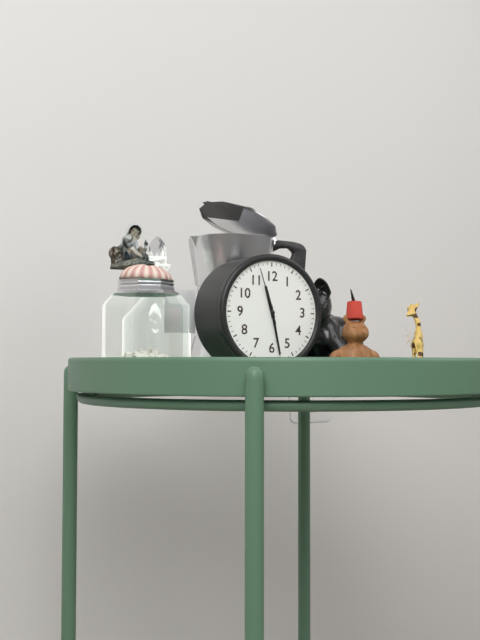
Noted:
**11:28:57**
